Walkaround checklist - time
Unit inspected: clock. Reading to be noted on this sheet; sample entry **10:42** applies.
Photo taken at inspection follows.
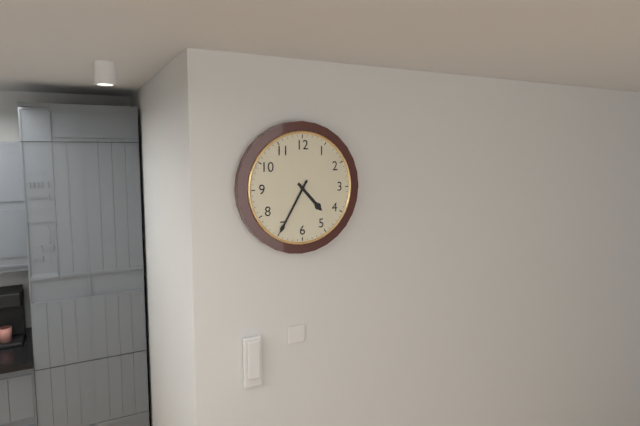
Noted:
**4:35**
